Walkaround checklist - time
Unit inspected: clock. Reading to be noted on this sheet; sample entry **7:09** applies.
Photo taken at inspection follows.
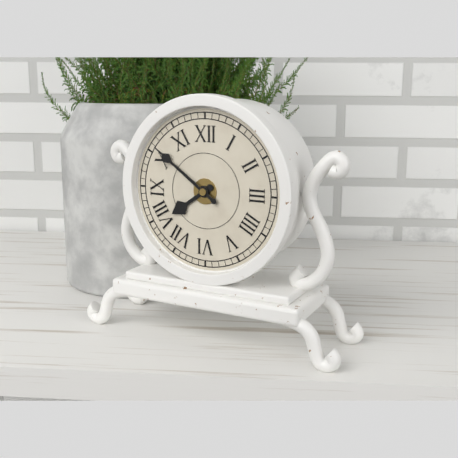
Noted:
**7:51**
